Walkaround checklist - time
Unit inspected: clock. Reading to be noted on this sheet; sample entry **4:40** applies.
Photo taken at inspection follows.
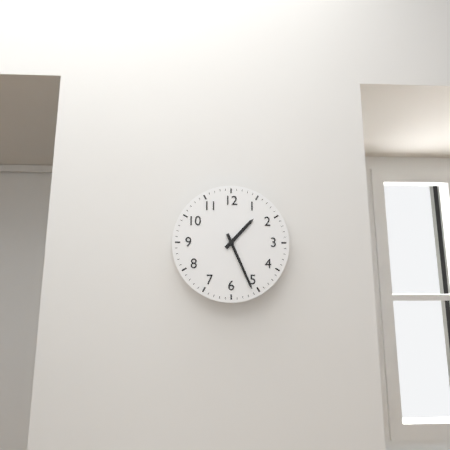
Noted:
**1:26**
